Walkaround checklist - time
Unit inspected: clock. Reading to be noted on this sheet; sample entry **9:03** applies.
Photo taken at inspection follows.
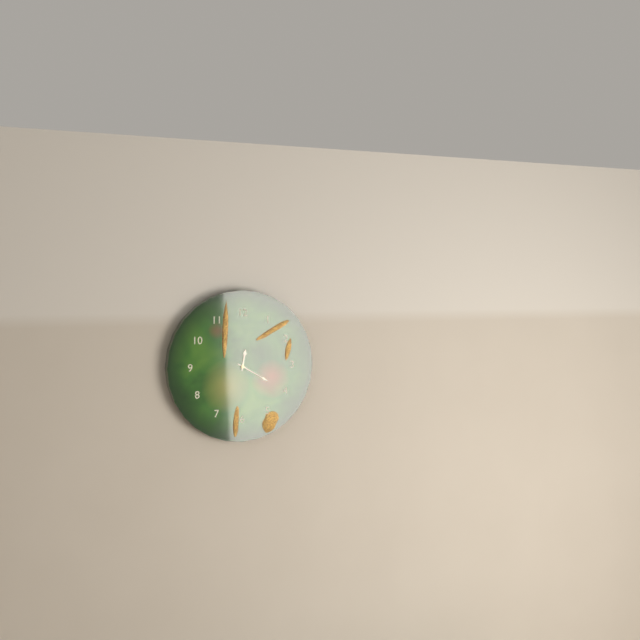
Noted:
**12:20**
